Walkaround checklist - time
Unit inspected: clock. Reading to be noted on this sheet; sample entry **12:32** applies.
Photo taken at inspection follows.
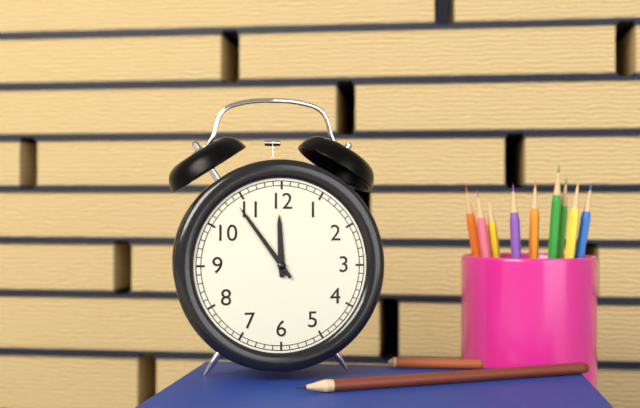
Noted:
**11:54**
